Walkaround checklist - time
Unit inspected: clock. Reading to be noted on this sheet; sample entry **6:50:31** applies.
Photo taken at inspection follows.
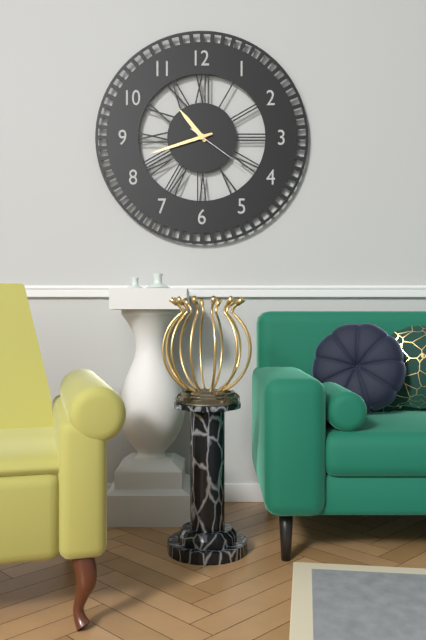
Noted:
**10:42:21**
